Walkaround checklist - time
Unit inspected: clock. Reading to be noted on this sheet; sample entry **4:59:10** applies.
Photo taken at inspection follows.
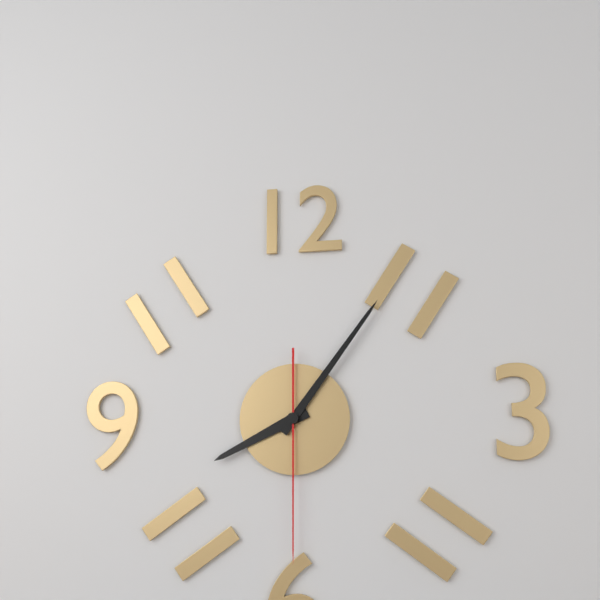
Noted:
**8:06:30**
